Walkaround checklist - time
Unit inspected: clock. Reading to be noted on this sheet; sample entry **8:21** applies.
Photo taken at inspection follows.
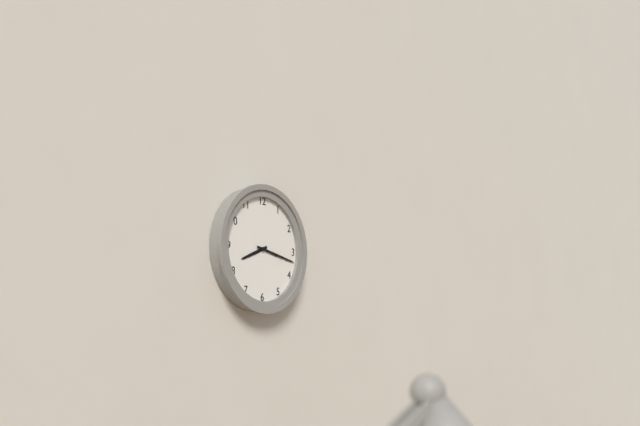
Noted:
**8:17**
